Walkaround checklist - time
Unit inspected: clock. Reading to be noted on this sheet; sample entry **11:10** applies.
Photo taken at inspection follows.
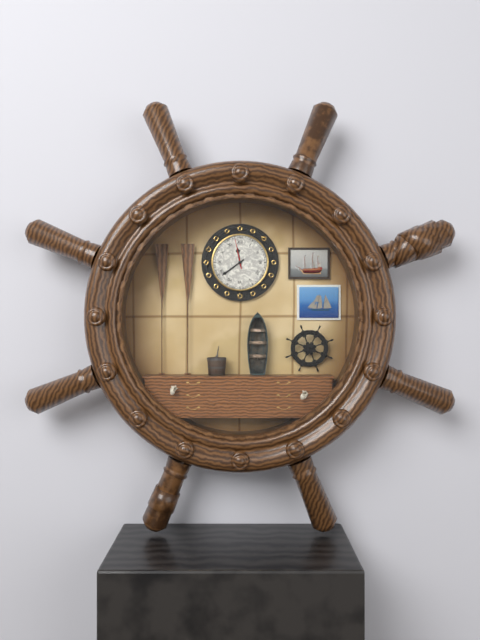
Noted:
**11:39**
